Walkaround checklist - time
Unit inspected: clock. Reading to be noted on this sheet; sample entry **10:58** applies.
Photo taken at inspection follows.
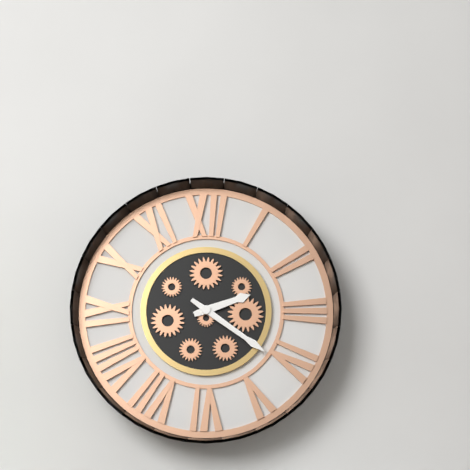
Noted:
**2:21**
